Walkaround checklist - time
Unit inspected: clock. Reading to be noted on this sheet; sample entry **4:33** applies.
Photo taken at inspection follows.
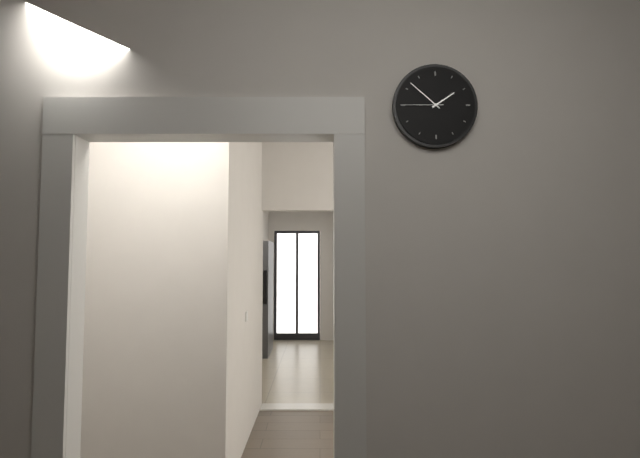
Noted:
**1:52**
